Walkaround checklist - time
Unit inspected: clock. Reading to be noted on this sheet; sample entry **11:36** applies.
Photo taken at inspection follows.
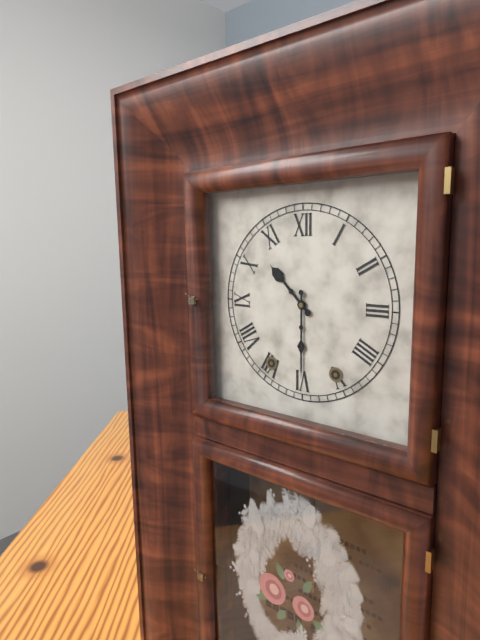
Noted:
**10:30**
